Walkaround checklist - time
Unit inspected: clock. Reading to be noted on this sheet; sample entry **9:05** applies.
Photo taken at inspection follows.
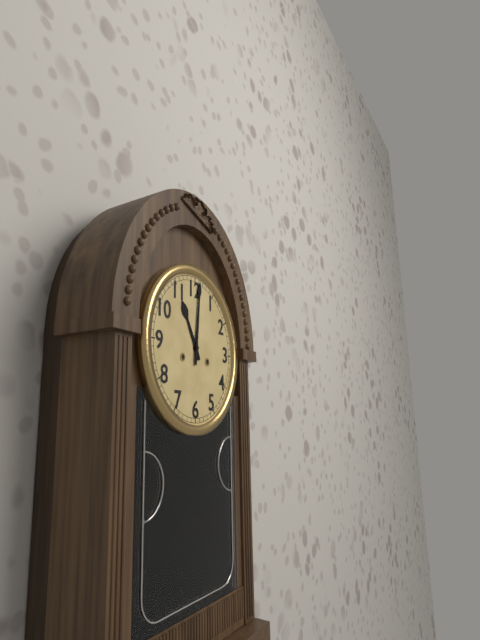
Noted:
**11:01**
